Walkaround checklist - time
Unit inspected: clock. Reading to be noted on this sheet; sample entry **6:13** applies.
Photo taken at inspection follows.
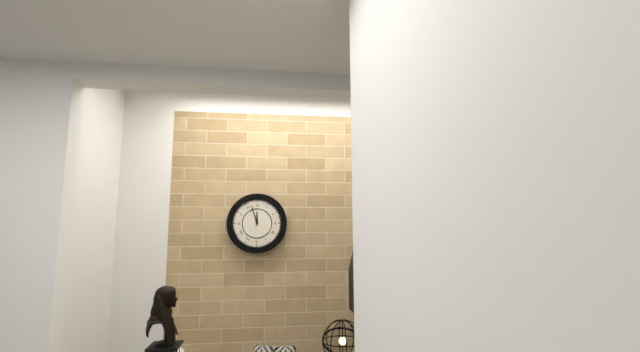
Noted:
**11:57**
